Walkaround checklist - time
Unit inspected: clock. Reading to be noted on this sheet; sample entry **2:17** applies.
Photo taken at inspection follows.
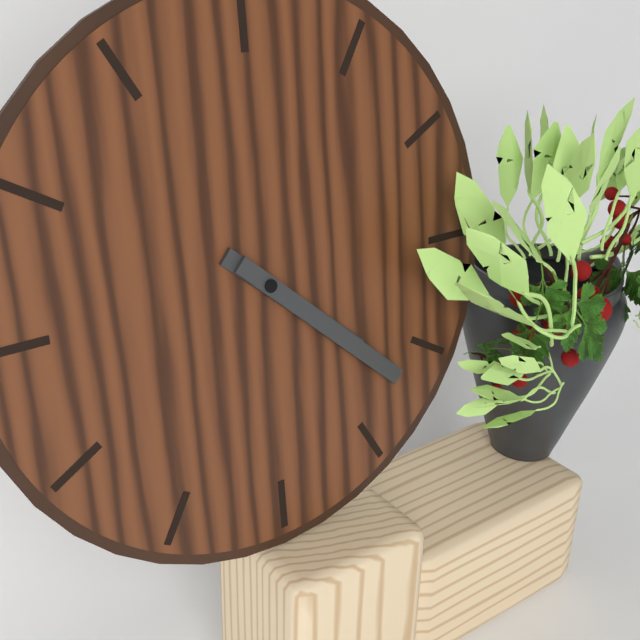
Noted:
**4:22**
